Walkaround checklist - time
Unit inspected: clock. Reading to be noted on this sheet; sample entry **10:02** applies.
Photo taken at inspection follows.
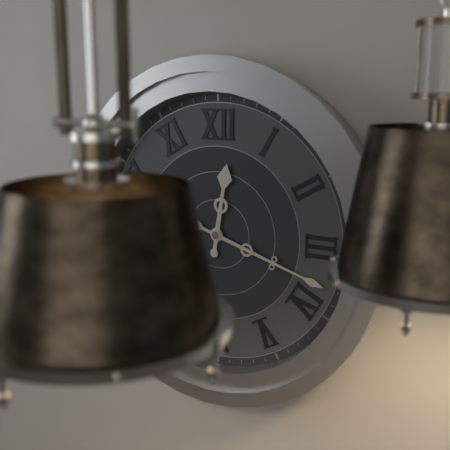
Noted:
**12:18**
